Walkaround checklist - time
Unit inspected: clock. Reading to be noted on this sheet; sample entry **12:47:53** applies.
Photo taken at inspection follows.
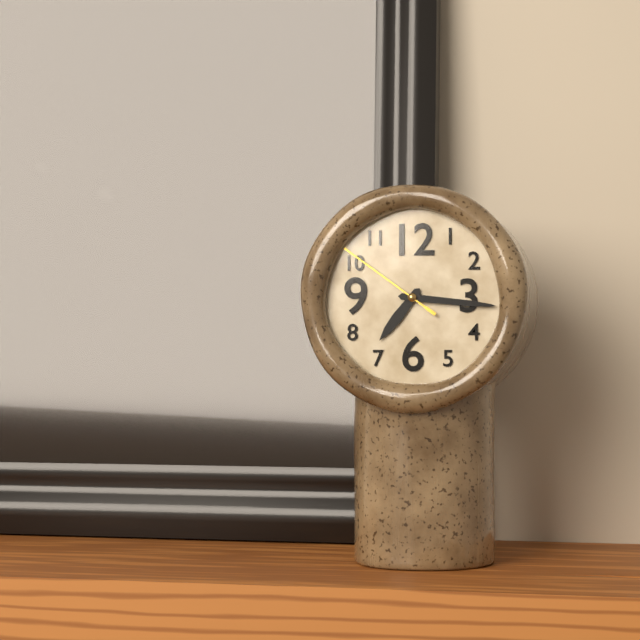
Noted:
**7:16:51**
